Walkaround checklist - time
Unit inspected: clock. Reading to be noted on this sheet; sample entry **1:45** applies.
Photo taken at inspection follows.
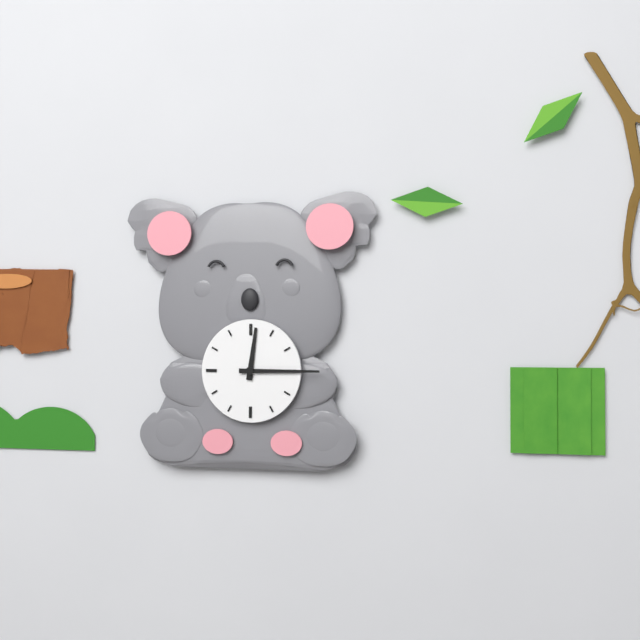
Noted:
**12:15**
